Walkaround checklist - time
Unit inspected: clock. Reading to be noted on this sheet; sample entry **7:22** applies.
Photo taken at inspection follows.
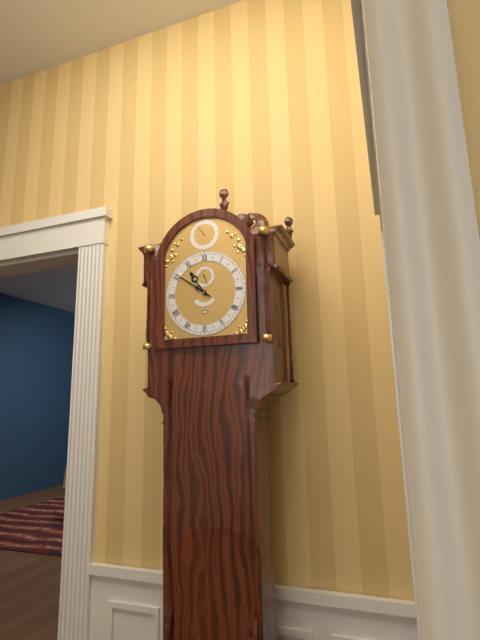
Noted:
**10:51**
